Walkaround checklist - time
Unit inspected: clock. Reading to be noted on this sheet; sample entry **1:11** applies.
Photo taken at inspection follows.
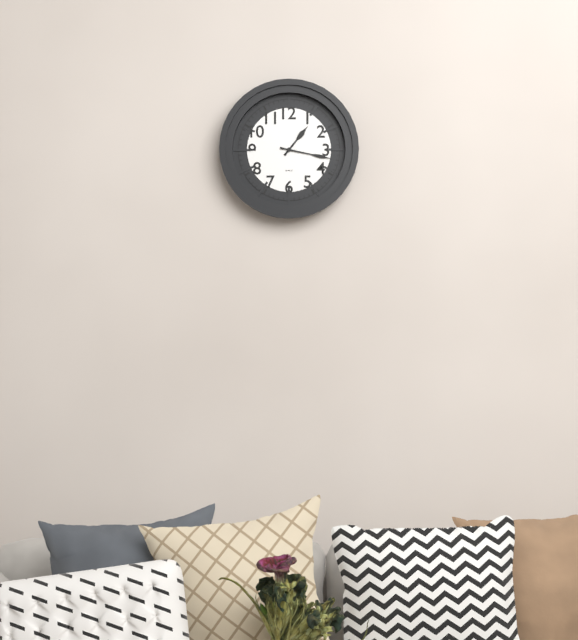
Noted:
**1:17**
